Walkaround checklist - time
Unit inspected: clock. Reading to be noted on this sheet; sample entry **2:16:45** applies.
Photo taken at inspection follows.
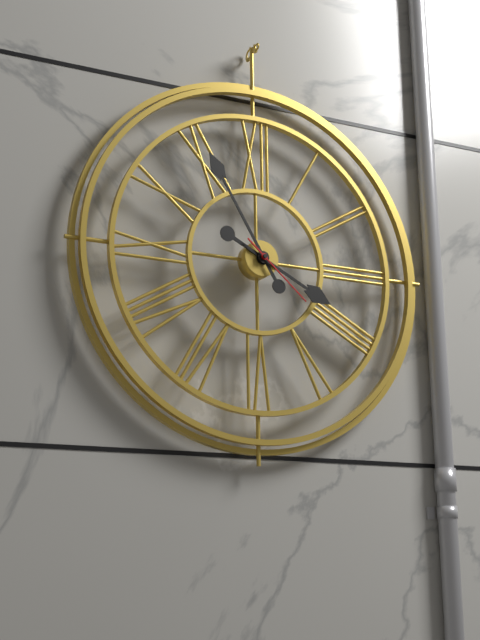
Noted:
**3:55:22**
